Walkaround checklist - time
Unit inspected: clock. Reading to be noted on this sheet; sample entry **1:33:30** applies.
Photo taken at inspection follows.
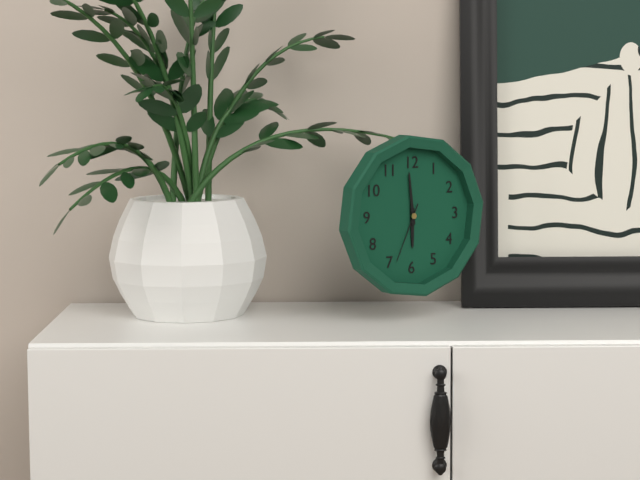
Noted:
**5:59:34**
